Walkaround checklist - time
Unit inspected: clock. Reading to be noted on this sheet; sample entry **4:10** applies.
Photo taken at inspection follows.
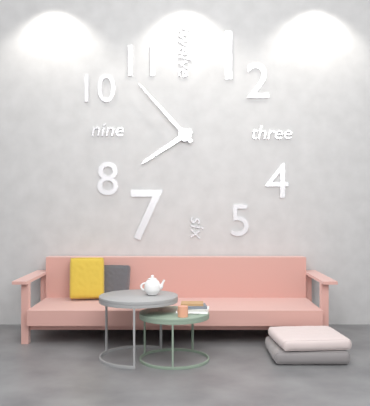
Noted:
**7:53**
